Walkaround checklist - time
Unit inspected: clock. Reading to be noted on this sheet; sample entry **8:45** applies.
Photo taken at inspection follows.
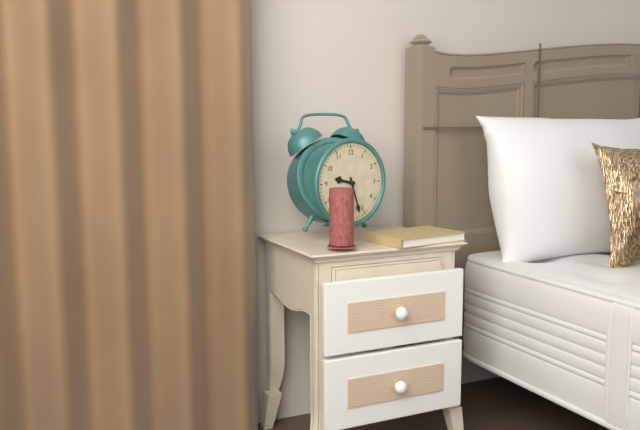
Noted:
**9:27**
